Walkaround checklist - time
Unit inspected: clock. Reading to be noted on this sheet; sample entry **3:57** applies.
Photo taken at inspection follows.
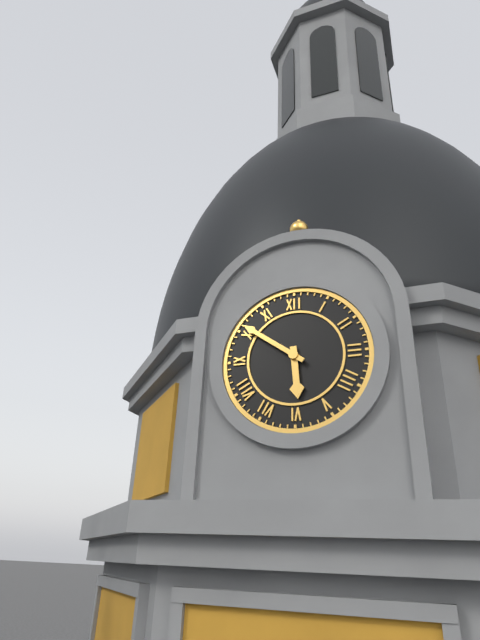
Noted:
**5:51**
